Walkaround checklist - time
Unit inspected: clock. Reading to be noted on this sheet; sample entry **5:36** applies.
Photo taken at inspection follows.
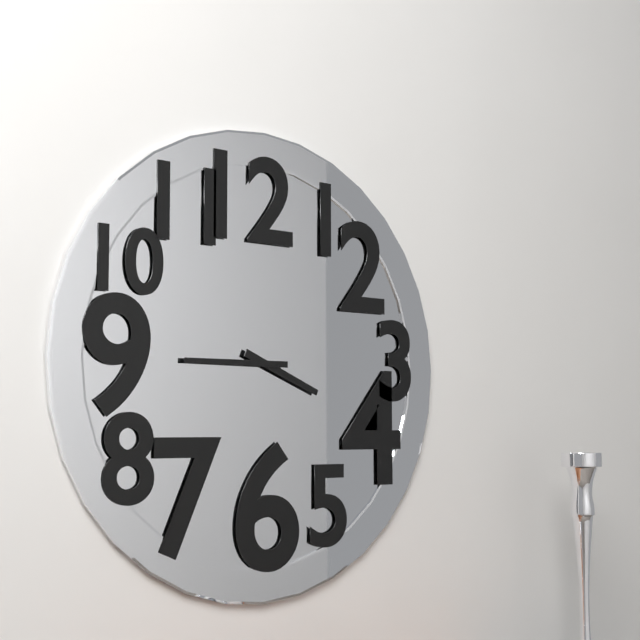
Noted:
**3:45**
